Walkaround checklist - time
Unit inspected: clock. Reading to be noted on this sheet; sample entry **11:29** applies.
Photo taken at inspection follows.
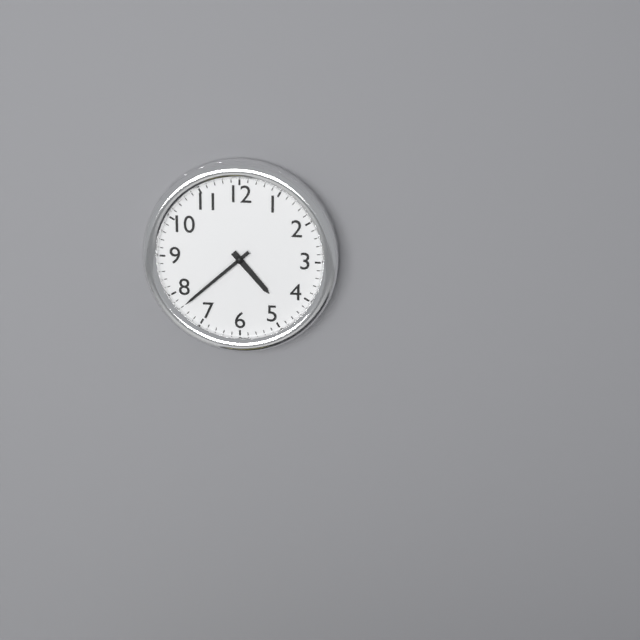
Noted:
**4:38**
